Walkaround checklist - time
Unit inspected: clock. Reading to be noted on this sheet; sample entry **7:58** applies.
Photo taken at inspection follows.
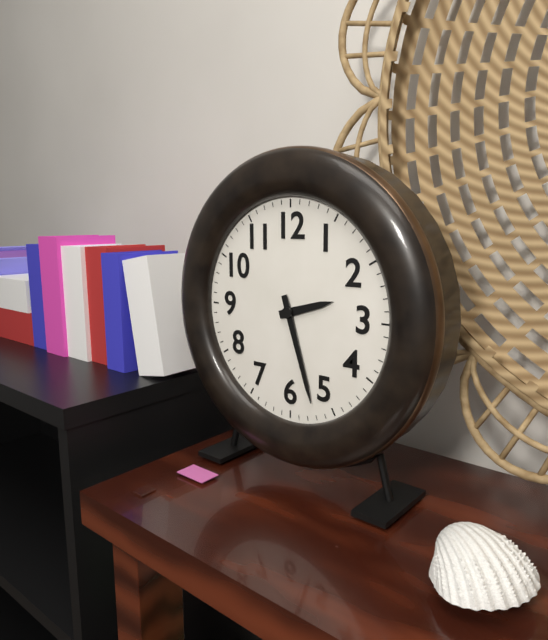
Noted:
**2:27**
